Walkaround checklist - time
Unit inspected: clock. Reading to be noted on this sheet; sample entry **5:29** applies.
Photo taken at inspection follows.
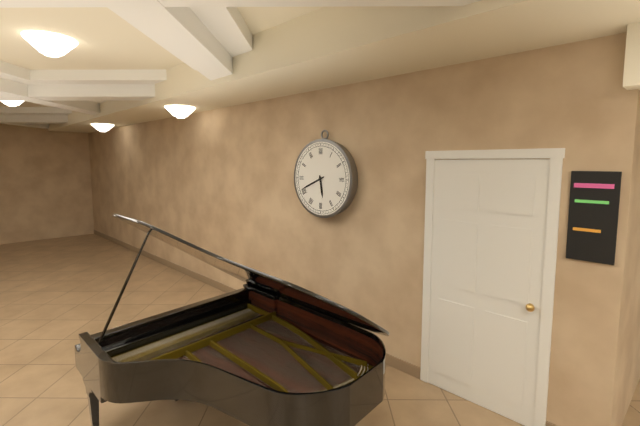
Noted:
**5:41**
